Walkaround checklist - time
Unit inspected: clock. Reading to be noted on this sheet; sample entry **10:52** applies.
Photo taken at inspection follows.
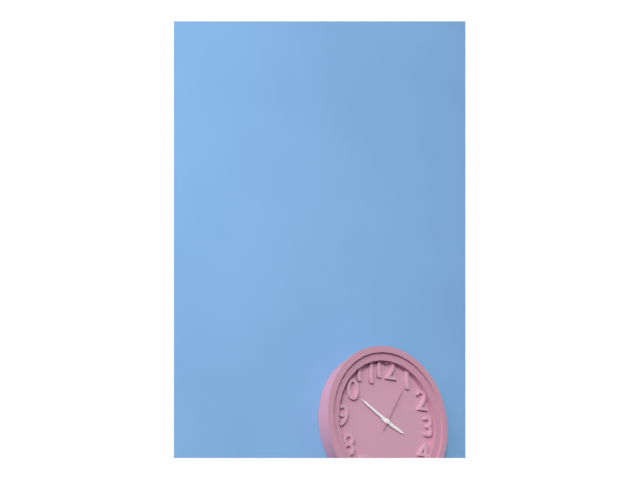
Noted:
**3:50**
